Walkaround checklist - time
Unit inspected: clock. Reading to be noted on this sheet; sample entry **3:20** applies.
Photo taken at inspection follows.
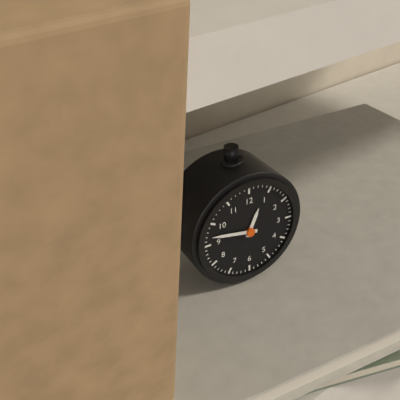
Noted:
**12:47**
